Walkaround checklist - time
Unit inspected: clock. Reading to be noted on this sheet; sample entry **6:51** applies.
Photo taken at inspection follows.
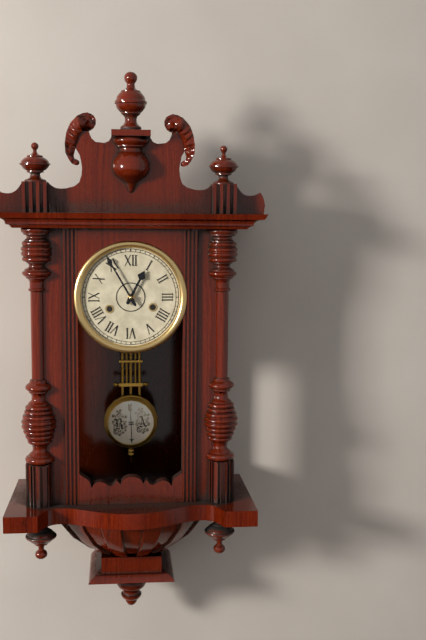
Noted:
**12:55**
